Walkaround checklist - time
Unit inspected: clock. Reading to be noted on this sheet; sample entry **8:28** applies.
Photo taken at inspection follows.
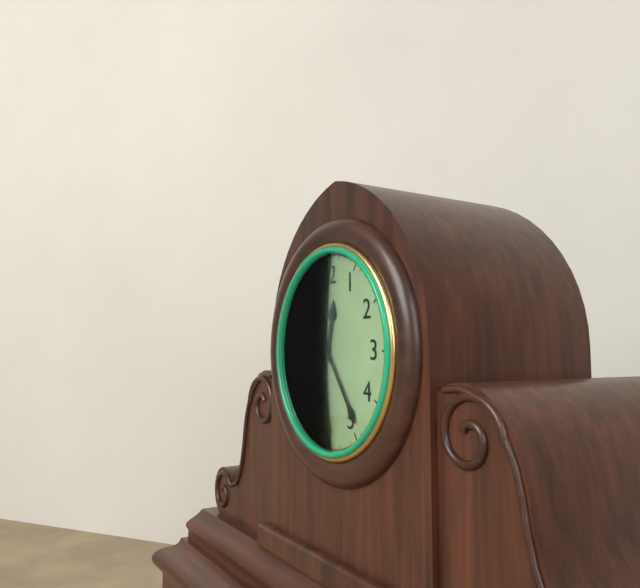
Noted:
**12:24**
